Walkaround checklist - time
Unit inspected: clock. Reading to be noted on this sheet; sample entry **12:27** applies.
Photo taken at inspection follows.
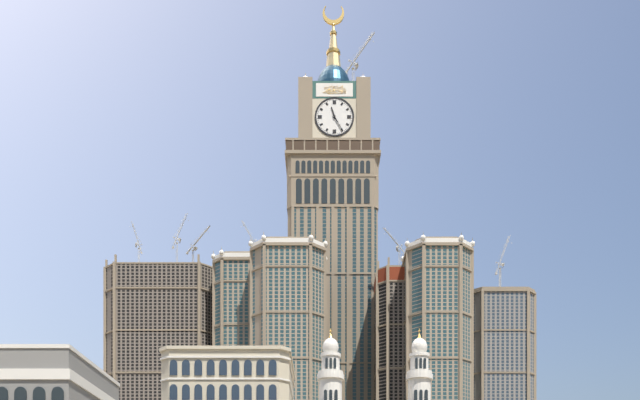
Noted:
**11:25**
